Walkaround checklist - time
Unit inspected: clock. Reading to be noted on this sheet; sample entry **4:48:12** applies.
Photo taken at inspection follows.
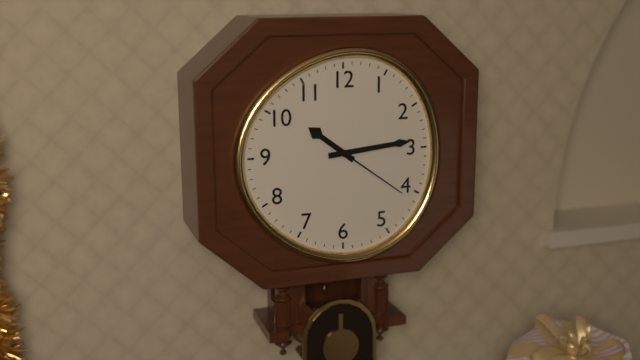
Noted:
**10:14:21**
